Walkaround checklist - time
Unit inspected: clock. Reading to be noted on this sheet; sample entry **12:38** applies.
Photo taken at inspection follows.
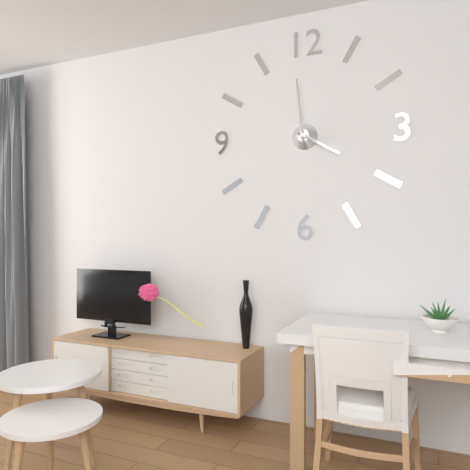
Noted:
**3:59**
